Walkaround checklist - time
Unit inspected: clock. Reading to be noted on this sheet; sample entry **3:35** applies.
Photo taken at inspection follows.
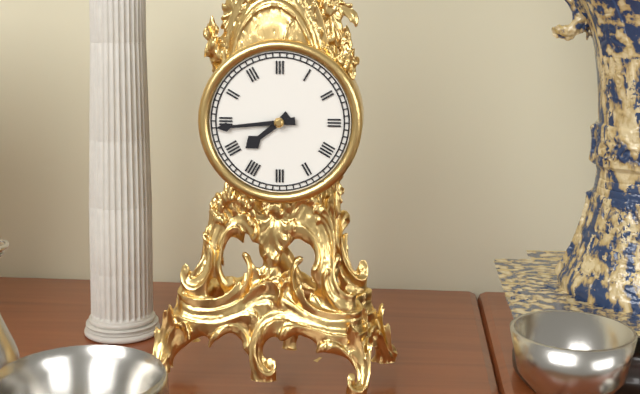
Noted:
**7:44**
